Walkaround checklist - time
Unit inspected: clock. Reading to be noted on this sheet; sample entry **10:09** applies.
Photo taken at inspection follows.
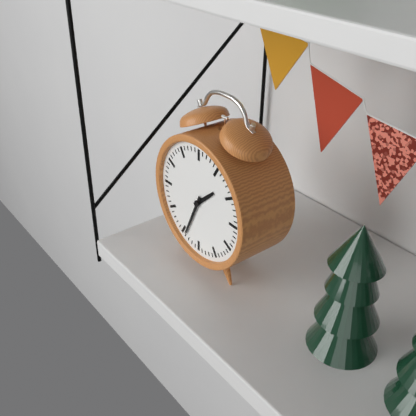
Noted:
**1:34**
